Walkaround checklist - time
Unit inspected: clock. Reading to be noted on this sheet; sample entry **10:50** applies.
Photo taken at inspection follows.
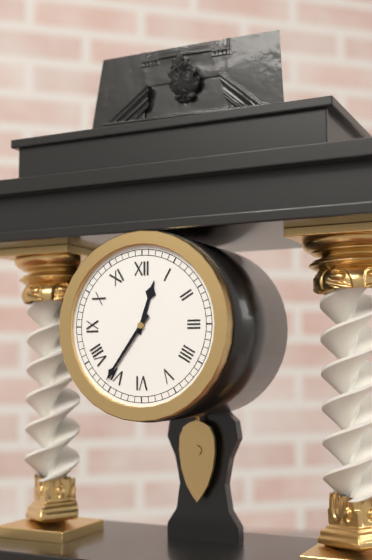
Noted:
**12:36**
